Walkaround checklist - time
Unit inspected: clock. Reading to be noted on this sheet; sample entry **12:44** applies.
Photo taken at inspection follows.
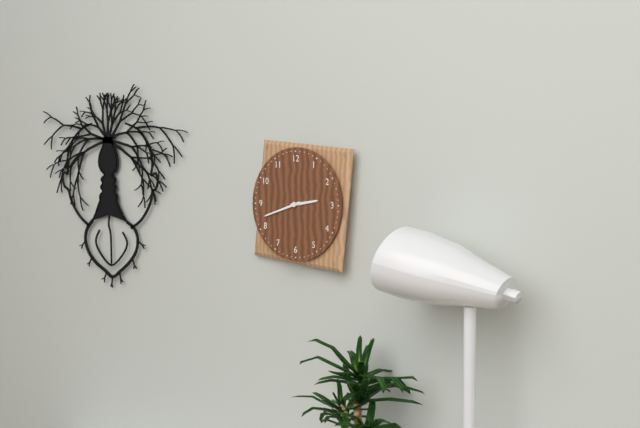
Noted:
**2:42**
